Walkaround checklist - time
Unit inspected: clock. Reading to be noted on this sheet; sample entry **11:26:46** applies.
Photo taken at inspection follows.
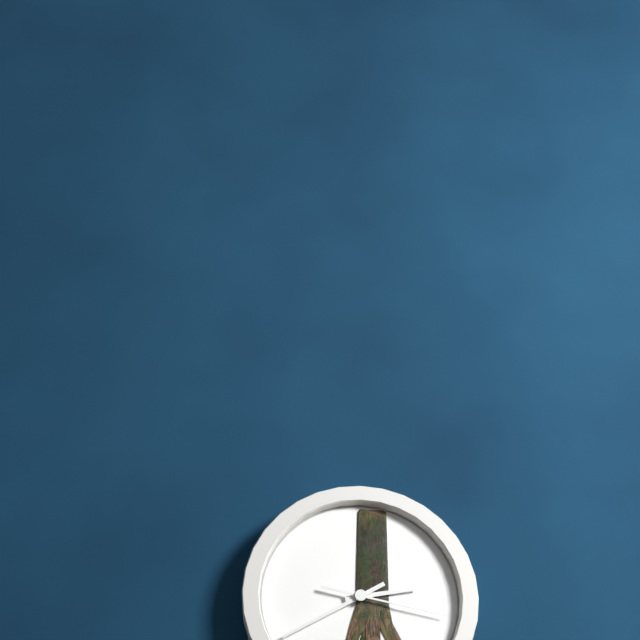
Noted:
**2:40:17**
